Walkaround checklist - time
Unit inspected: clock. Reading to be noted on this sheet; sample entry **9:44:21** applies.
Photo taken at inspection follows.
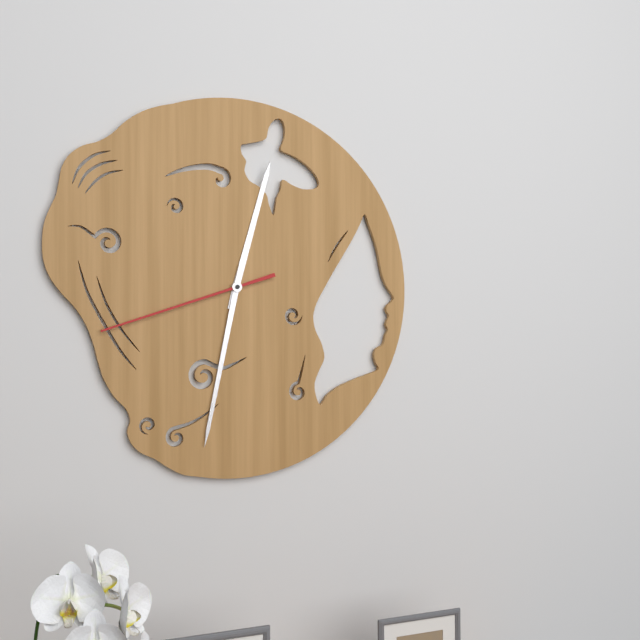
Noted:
**12:32:42**
